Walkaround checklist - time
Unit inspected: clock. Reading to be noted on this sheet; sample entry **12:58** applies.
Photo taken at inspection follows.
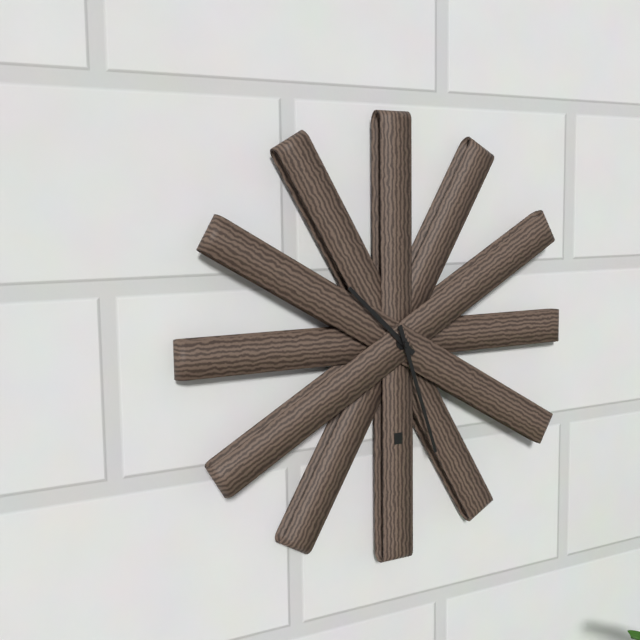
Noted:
**10:27**
